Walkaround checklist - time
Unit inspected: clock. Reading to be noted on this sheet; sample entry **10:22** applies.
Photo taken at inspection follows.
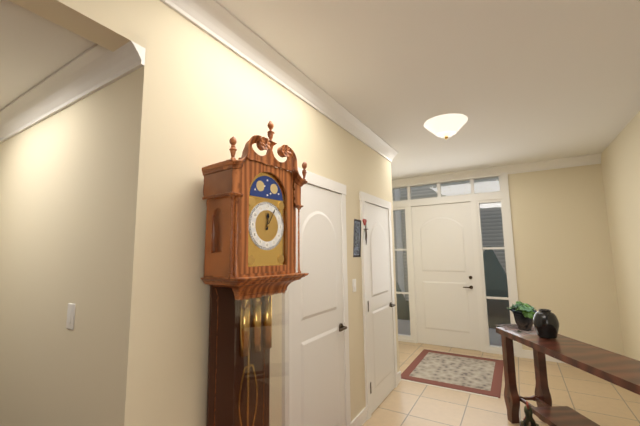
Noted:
**12:05**
